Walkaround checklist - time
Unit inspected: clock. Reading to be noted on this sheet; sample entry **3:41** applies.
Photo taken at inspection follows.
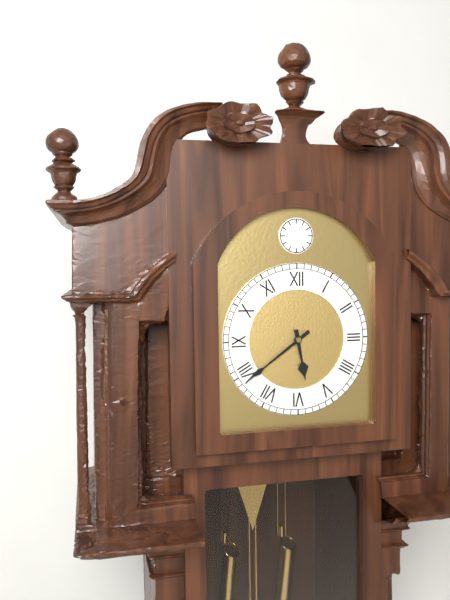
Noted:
**5:39**
